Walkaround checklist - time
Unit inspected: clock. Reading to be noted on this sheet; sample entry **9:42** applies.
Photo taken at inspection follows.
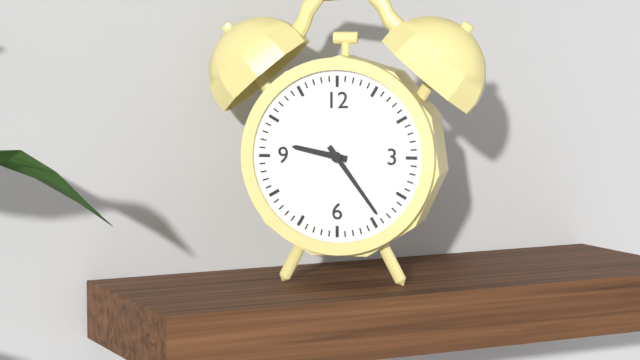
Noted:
**9:24**
